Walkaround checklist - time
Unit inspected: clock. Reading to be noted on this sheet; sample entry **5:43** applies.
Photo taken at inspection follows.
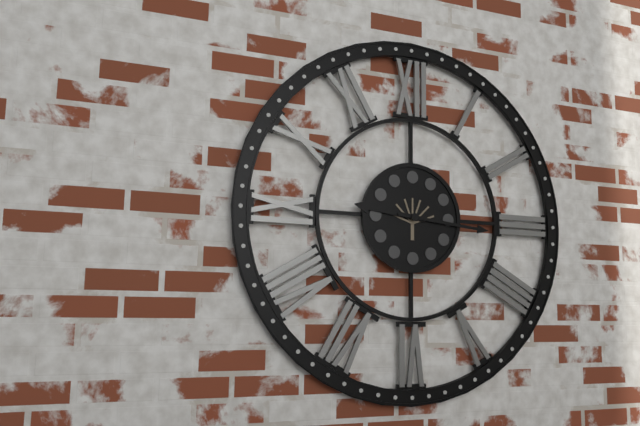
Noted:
**9:16**
